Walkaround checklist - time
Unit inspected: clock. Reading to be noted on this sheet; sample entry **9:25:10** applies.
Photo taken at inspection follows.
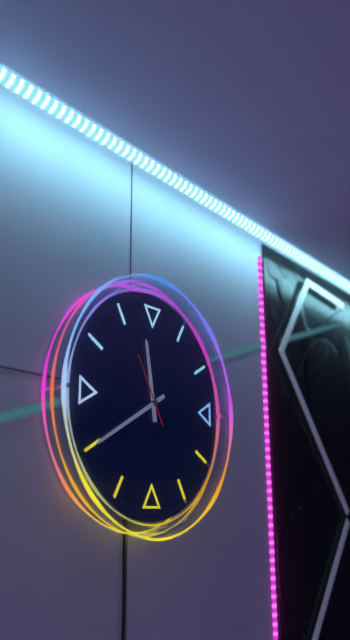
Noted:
**11:40:55**
